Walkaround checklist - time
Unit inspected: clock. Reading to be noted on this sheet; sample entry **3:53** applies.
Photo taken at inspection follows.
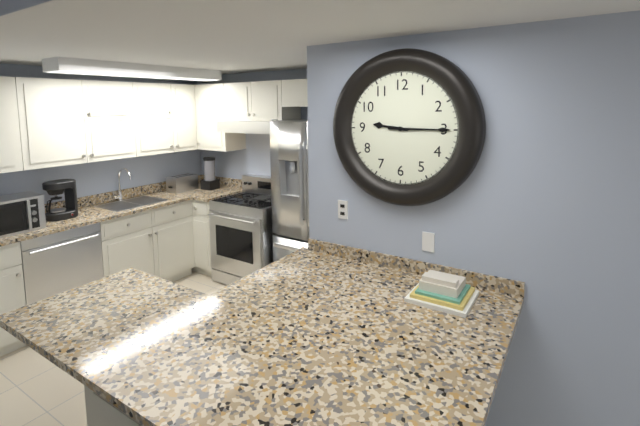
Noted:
**9:15**
